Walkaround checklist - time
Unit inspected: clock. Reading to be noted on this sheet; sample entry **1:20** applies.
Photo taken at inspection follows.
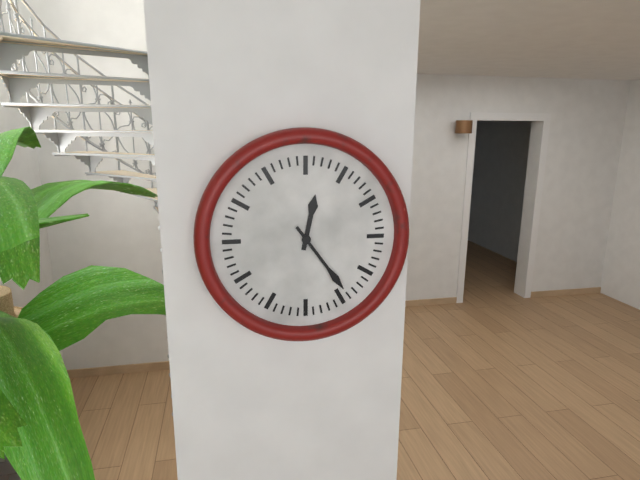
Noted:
**12:24**
